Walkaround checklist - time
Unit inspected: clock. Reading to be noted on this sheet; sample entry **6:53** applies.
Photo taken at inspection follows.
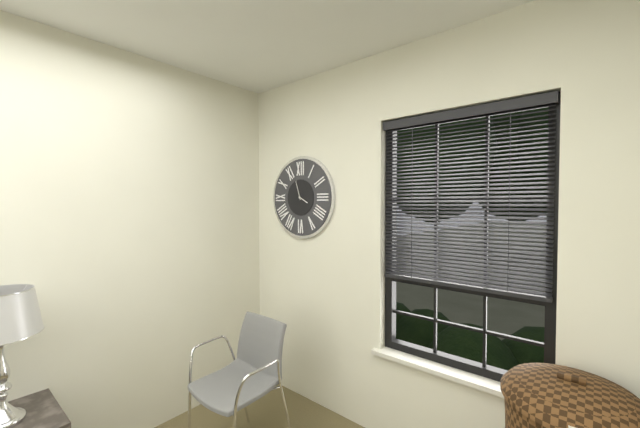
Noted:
**3:57**
